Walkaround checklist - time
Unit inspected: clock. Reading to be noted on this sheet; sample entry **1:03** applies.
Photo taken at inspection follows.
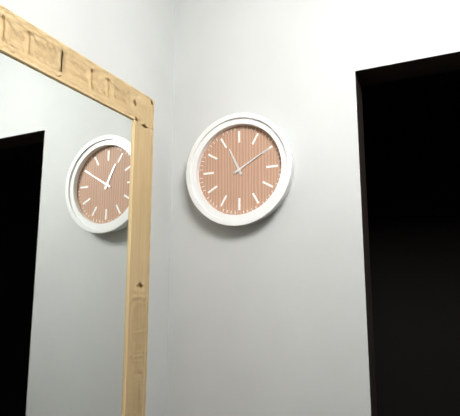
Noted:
**11:10**
